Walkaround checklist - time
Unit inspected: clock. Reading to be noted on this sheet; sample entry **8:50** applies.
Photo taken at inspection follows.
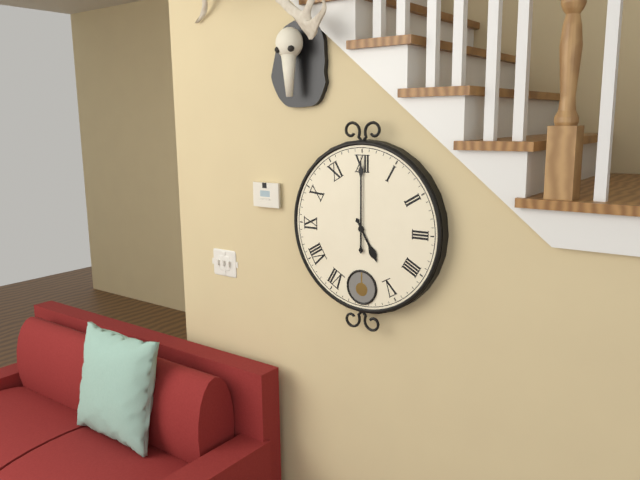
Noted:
**5:00**
